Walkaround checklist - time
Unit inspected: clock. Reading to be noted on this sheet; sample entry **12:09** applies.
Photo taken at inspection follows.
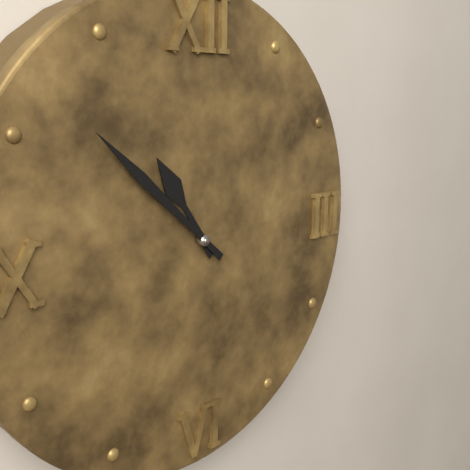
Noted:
**10:52**
